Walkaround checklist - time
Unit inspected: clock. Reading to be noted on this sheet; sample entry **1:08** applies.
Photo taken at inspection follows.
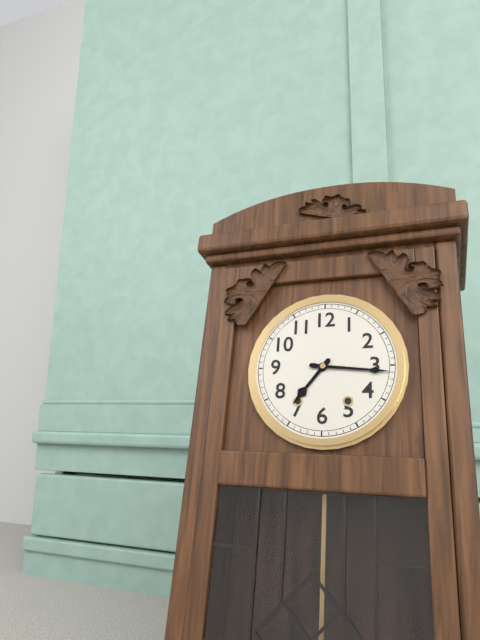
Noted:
**7:16**
